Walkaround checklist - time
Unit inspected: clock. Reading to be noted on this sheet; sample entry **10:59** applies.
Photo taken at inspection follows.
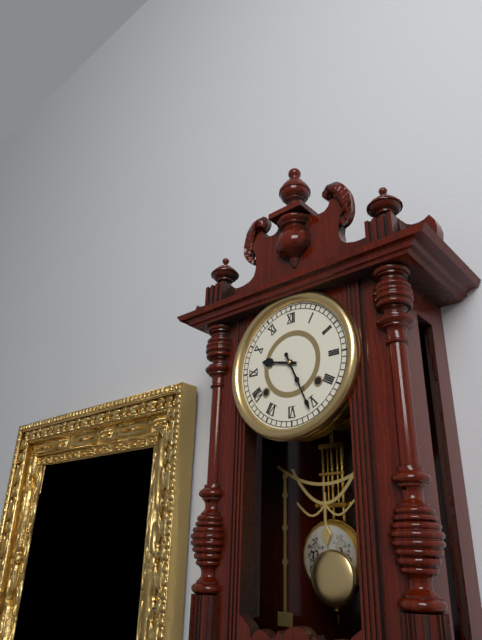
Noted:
**9:26**
